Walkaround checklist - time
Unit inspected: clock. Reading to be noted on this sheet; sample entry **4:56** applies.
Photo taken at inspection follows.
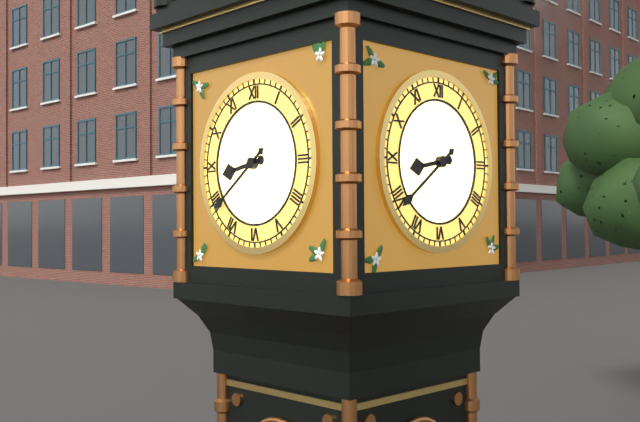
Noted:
**8:39**
